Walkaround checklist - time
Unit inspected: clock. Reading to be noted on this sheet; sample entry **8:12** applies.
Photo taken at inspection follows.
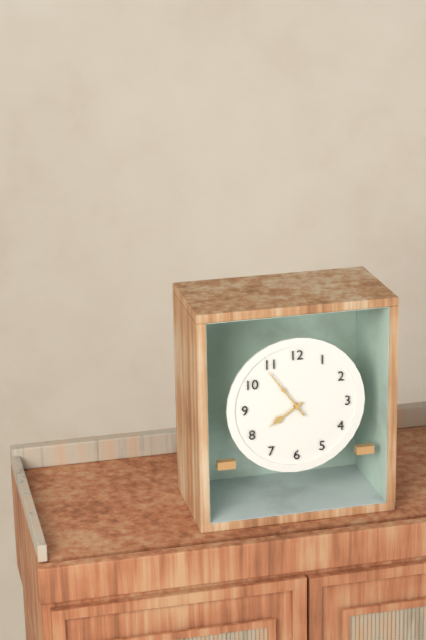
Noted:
**7:54**
